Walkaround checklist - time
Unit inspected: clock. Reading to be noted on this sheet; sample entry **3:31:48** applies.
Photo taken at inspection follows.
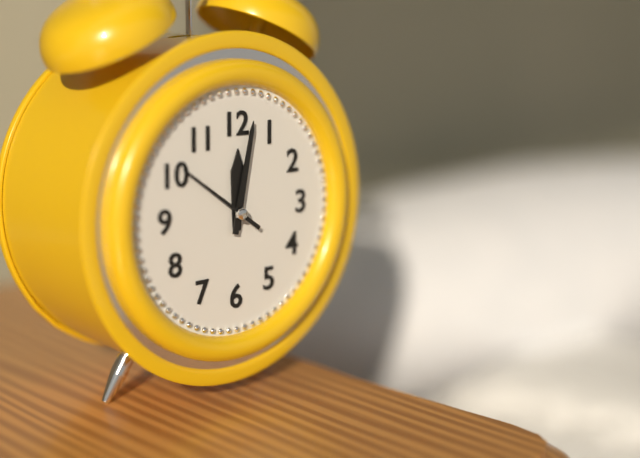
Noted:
**12:02:51**
